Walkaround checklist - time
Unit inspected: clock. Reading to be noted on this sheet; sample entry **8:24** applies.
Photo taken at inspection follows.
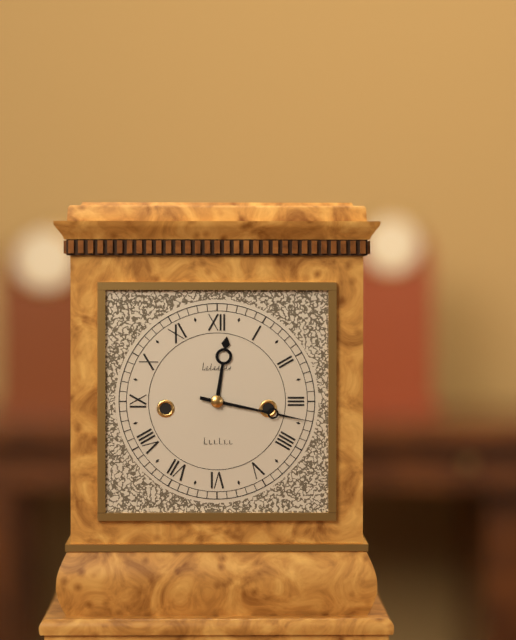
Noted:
**12:17**
